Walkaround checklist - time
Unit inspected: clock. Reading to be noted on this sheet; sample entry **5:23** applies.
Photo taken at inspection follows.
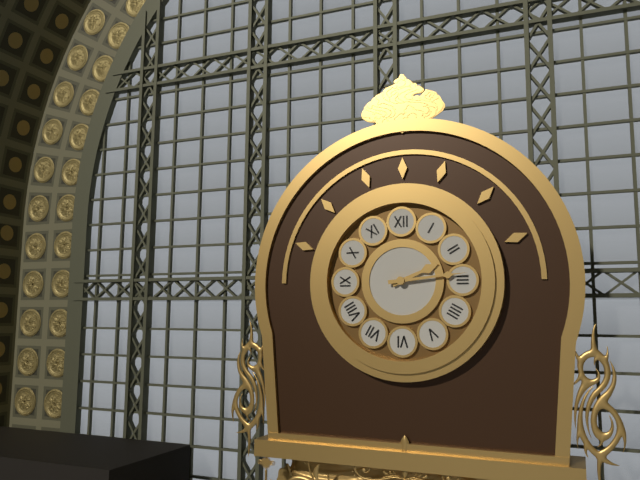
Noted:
**2:14**
